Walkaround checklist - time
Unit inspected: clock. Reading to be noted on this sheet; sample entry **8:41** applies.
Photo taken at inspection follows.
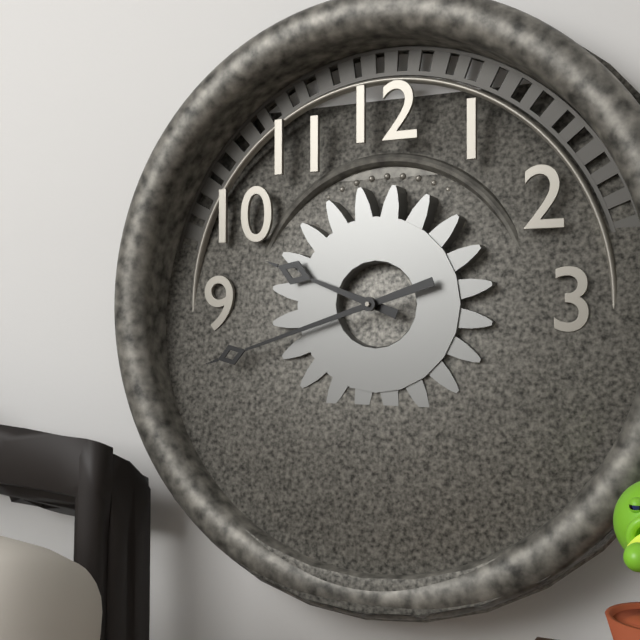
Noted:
**9:42**
